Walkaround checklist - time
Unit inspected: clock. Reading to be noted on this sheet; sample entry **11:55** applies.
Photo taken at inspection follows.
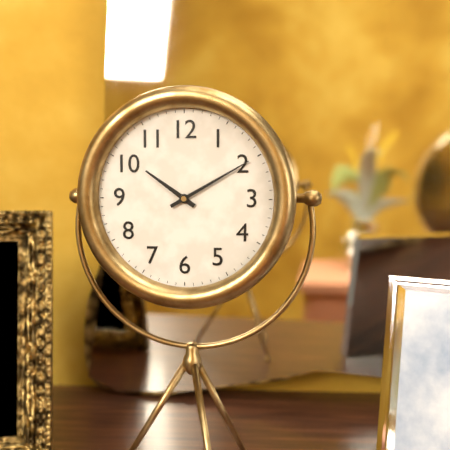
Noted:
**10:10**
